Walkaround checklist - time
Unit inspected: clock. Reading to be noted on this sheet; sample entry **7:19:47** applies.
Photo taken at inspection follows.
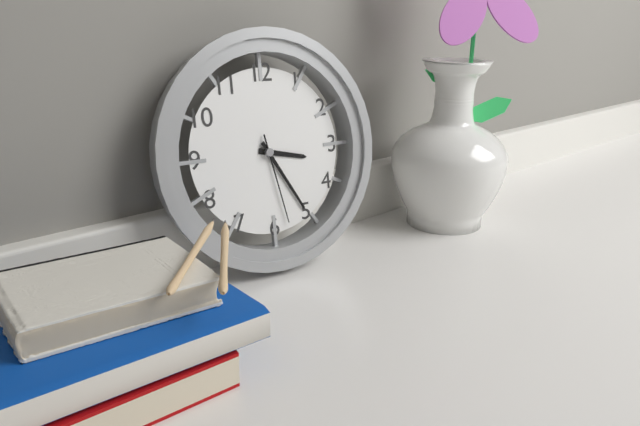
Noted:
**3:25:28**
